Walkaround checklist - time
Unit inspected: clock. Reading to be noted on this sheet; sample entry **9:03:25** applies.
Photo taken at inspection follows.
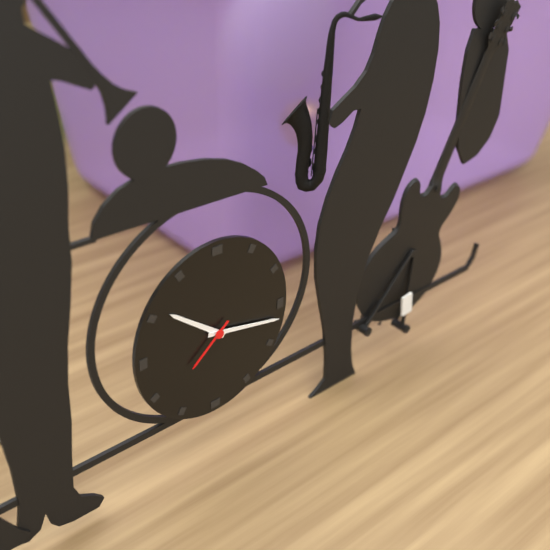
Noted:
**10:17:38**
